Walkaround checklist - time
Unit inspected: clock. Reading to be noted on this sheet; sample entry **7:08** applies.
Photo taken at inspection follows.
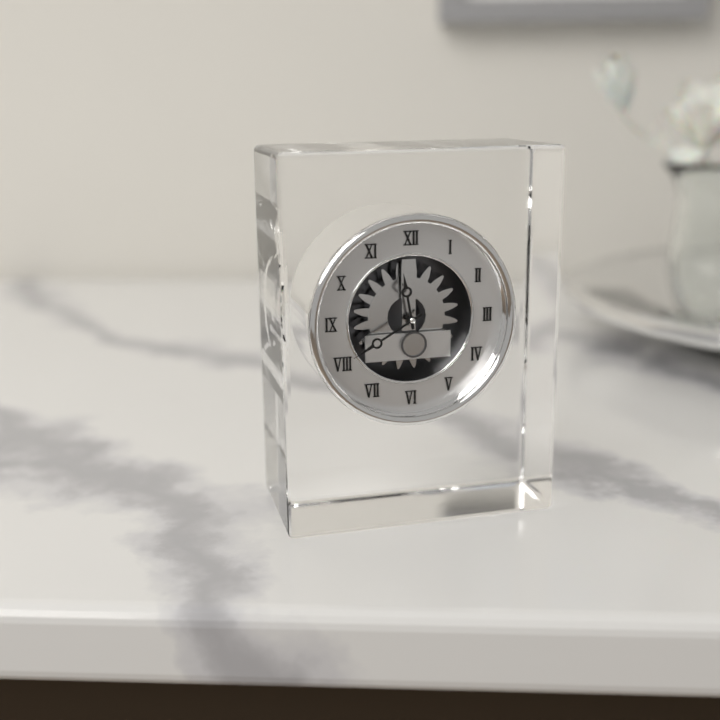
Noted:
**11:40**
